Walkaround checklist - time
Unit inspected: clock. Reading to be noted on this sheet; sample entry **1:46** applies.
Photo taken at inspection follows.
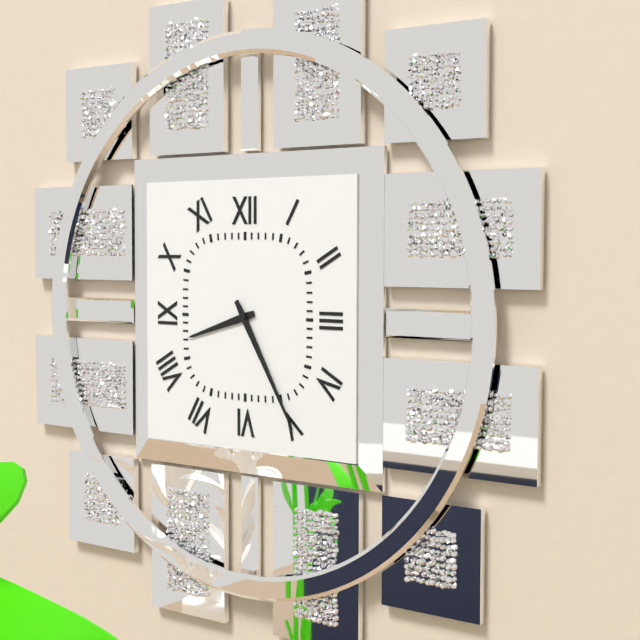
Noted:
**8:25**
